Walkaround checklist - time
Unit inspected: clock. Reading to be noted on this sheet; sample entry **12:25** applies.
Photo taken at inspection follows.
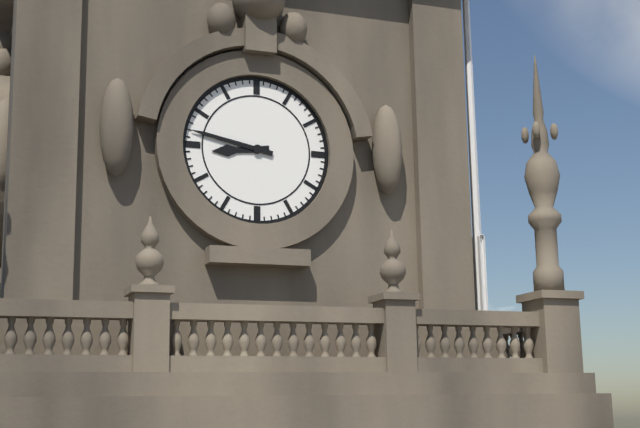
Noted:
**8:47**
